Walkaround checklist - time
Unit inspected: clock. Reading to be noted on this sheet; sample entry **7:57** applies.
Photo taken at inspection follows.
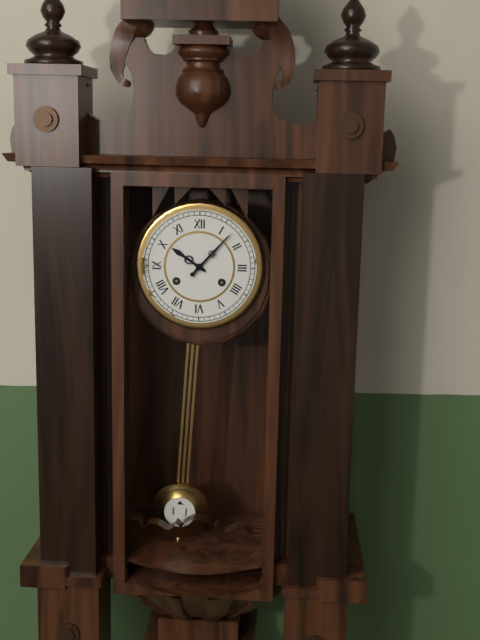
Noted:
**10:07**
